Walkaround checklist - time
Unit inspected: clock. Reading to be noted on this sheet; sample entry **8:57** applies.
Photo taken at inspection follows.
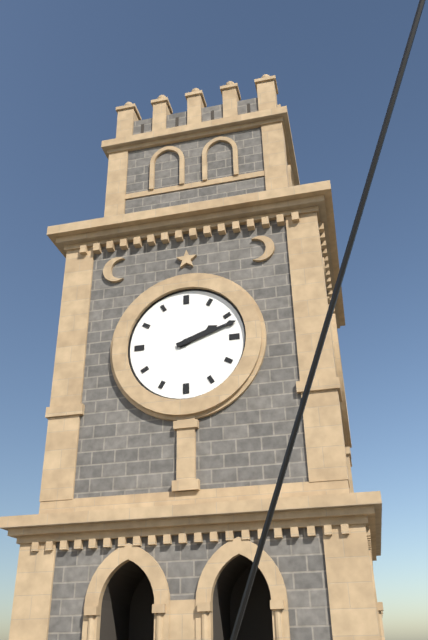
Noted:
**2:12**
